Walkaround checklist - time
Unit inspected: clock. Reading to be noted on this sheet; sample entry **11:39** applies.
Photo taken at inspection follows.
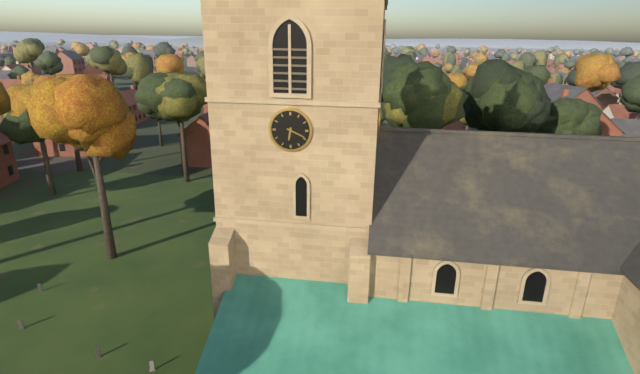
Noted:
**6:19**
